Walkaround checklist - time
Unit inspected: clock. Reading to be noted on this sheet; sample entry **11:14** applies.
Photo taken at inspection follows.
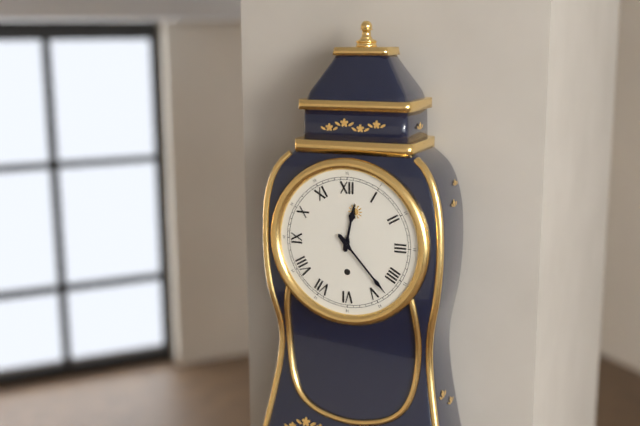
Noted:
**12:23**
